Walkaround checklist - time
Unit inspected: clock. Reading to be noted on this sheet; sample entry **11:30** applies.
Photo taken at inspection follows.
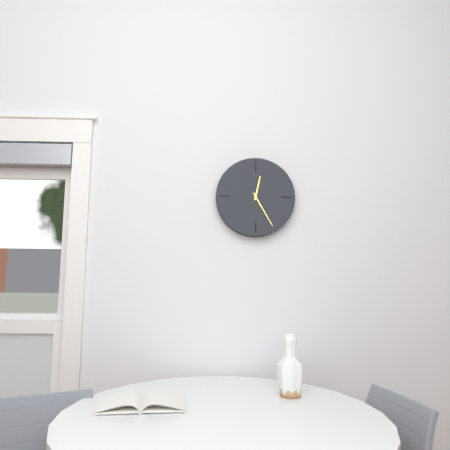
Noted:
**12:25**
